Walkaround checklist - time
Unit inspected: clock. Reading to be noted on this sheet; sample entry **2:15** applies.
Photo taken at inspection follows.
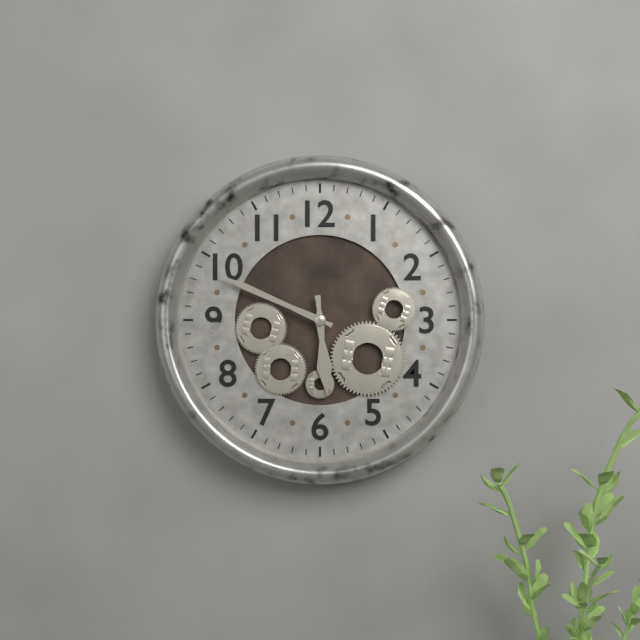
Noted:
**5:49**
